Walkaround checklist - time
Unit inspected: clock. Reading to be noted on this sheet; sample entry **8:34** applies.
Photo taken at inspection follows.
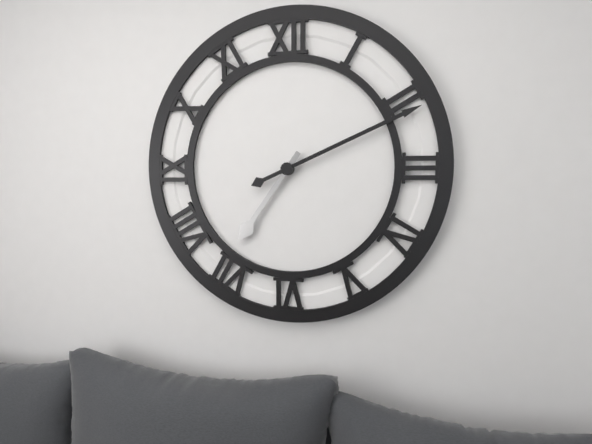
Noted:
**7:11**
